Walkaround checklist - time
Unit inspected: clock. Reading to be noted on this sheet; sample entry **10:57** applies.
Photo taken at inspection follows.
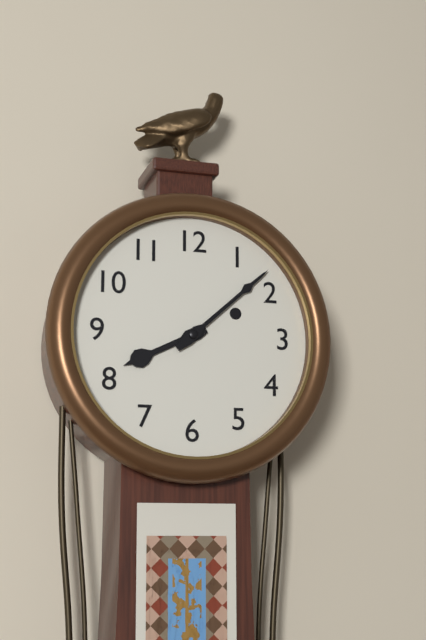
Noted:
**8:08**
